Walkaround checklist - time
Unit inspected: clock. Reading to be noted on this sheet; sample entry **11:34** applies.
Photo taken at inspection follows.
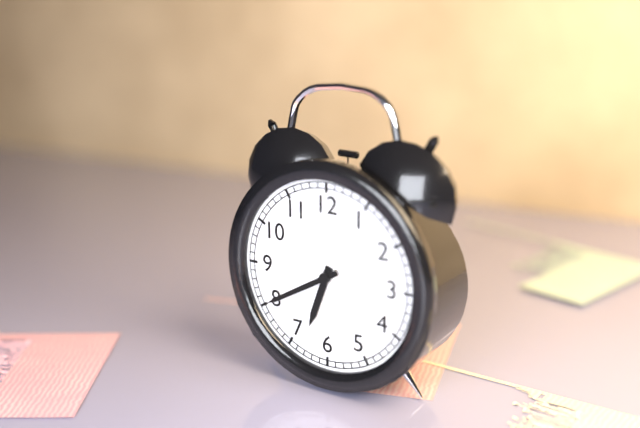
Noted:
**6:40**
